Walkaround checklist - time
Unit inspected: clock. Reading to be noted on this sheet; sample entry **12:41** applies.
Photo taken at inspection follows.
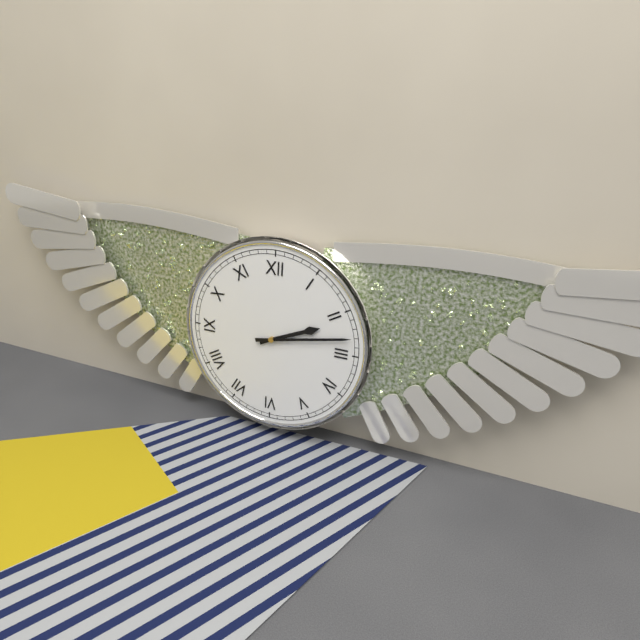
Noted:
**2:13**
